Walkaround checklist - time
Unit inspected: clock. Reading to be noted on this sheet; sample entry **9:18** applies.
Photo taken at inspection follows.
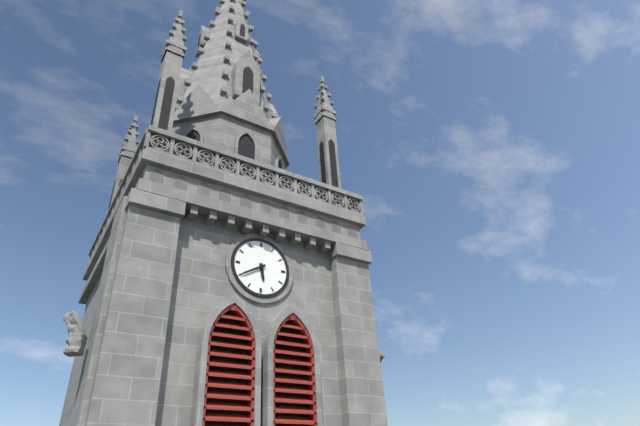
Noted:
**5:40**
